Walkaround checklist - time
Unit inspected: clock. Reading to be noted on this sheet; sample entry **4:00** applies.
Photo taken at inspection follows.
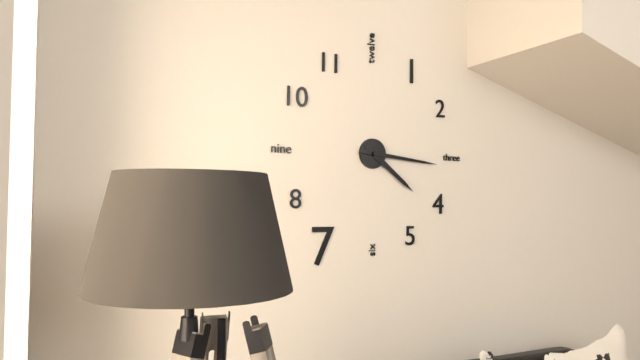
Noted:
**4:16**
